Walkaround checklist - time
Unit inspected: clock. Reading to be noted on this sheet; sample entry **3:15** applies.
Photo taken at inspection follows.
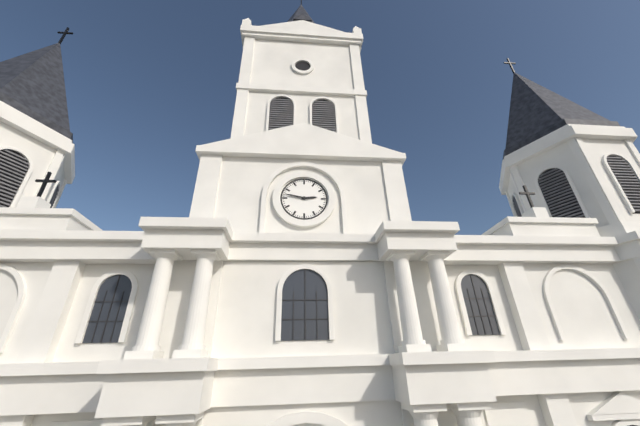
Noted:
**2:47**
